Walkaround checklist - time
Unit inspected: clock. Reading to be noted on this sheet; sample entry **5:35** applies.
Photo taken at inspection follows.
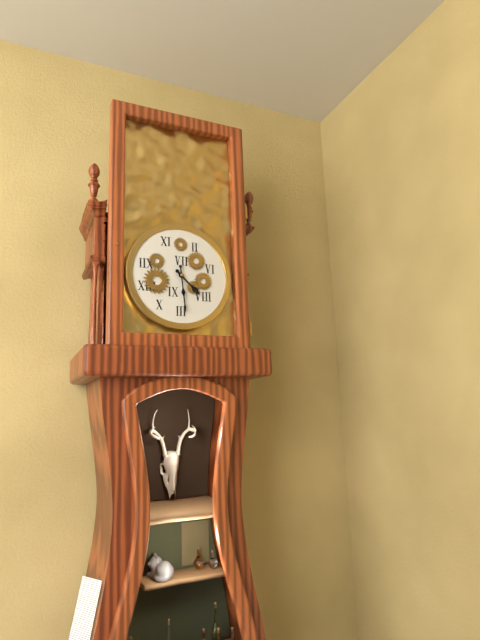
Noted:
**4:29**
